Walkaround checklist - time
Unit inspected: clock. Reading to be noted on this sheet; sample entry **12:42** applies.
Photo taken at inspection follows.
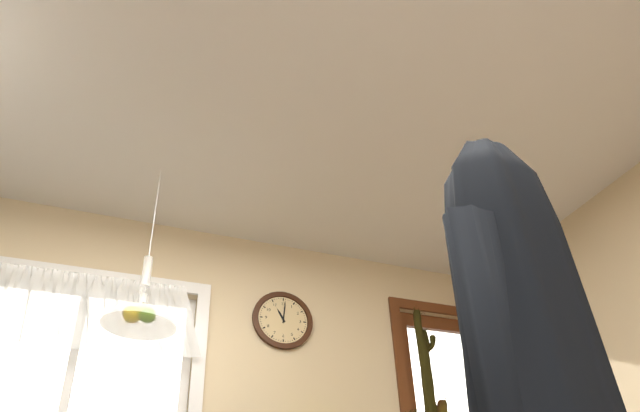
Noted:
**11:01**
